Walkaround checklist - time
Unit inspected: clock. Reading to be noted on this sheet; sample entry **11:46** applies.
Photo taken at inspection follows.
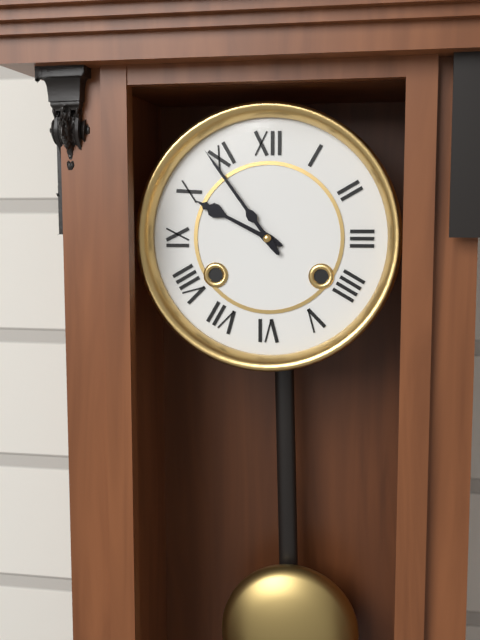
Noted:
**9:54**
